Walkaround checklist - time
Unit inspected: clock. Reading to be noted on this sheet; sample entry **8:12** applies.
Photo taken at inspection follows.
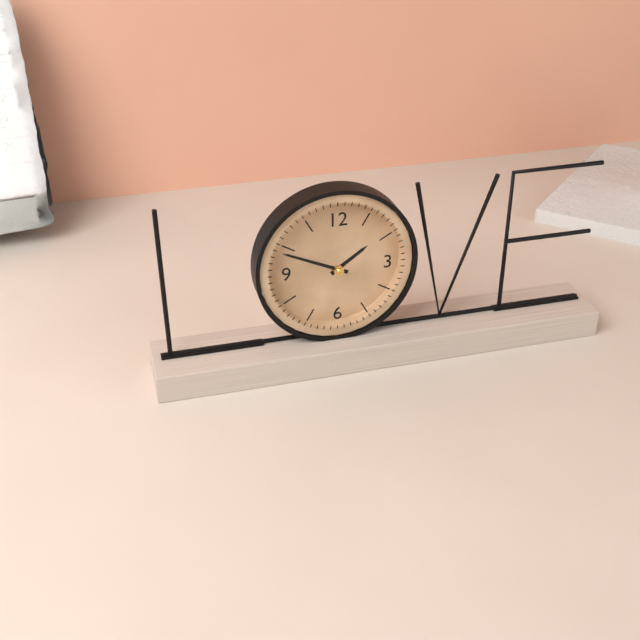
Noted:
**1:49**
